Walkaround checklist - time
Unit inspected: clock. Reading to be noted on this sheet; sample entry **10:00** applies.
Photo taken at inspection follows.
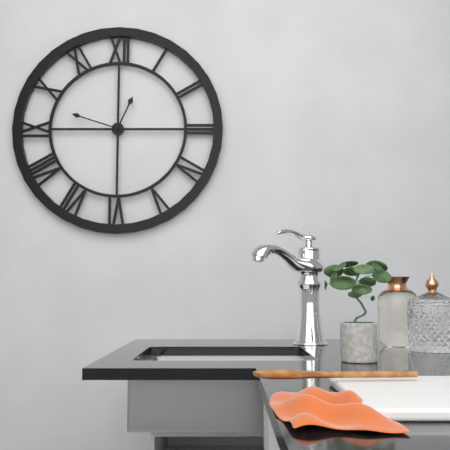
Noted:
**12:48**
